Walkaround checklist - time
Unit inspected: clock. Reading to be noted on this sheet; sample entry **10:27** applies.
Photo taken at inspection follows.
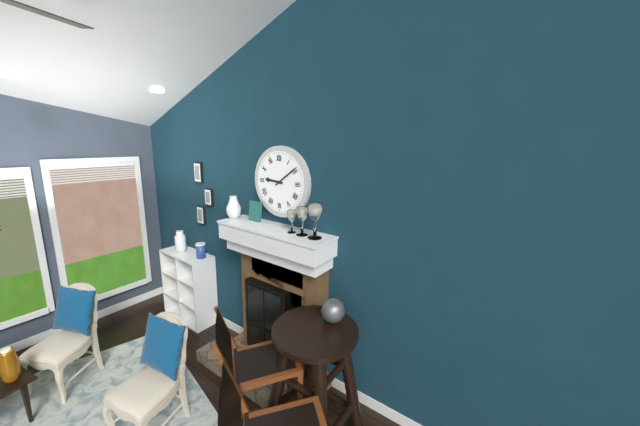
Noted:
**9:09**
